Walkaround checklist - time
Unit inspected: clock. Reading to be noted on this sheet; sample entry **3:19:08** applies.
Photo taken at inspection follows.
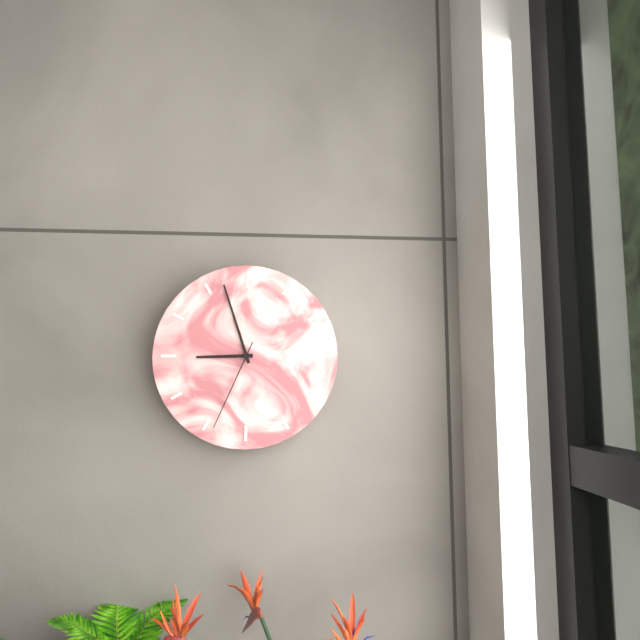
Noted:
**8:57:34**
